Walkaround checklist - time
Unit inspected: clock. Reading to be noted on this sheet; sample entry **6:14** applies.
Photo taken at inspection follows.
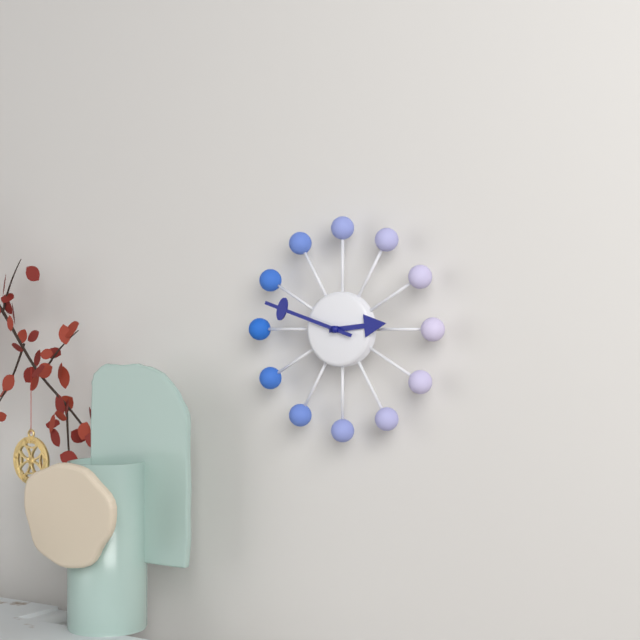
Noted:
**2:48**
